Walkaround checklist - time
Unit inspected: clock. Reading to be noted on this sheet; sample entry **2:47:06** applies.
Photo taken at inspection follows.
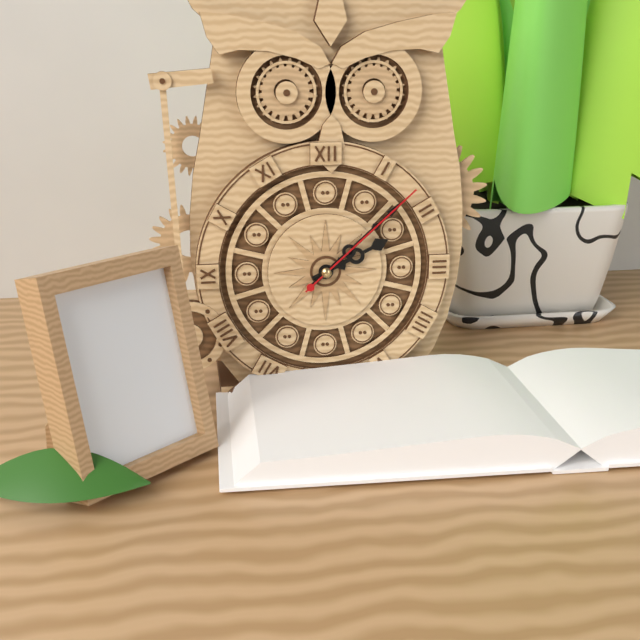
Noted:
**2:08:08**
